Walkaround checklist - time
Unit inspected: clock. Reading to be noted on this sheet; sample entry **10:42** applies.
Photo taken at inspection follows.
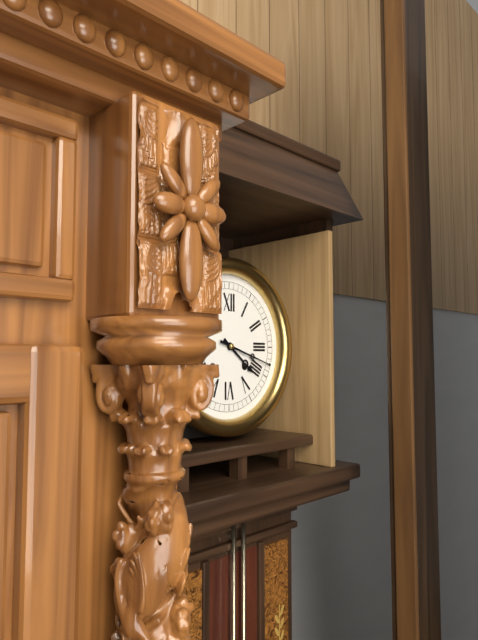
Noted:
**4:18**
